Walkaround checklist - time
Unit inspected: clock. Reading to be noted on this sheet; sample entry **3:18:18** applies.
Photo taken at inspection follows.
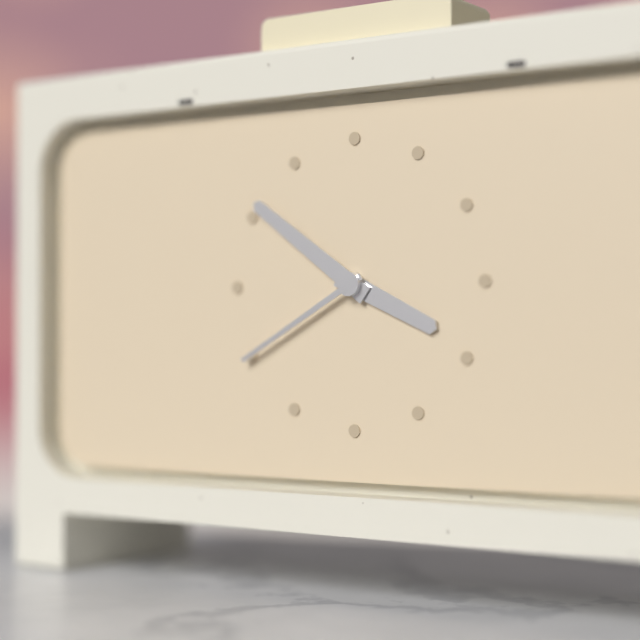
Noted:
**3:51:40**
